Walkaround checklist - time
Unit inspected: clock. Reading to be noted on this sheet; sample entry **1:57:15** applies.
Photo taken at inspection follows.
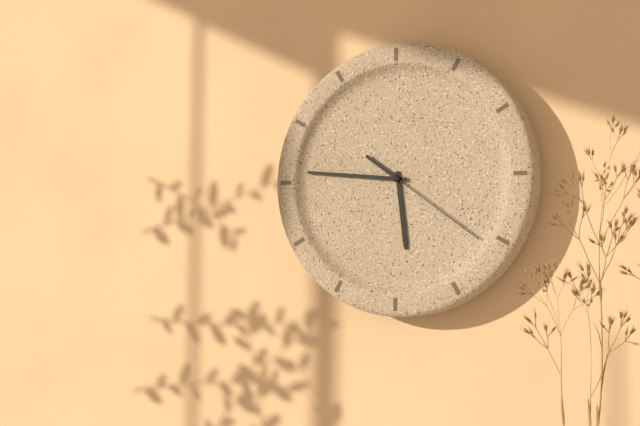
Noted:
**5:46:21**
